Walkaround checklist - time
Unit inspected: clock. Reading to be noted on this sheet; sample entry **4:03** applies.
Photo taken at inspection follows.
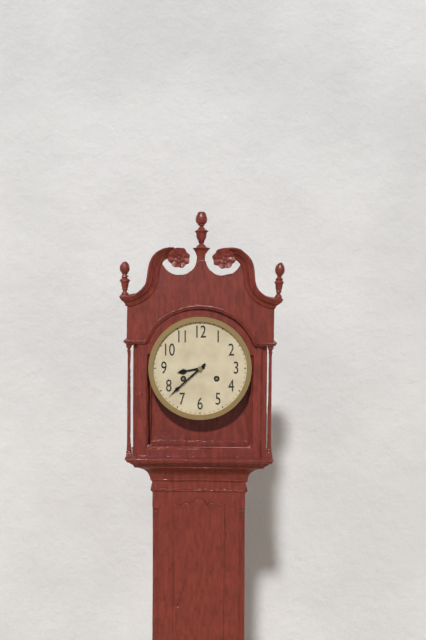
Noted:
**8:38**
